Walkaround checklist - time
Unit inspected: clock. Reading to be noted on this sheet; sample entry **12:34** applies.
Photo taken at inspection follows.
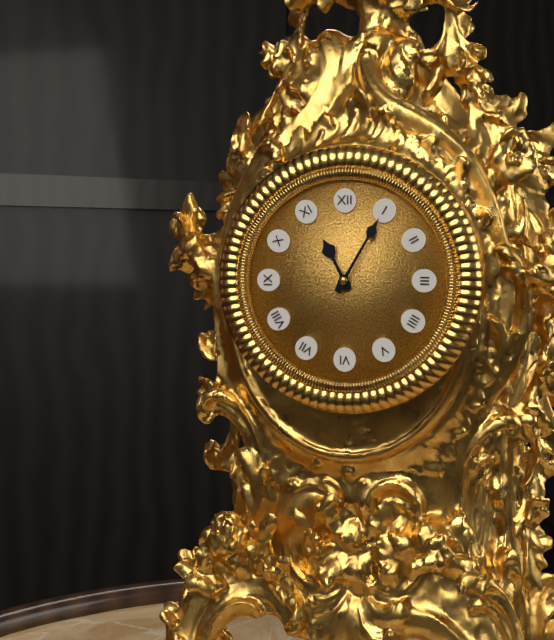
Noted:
**11:05**
